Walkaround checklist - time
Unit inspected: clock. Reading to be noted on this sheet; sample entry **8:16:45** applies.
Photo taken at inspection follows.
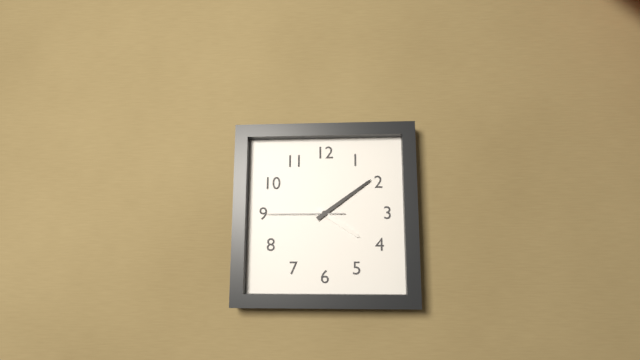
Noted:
**4:09:45**
